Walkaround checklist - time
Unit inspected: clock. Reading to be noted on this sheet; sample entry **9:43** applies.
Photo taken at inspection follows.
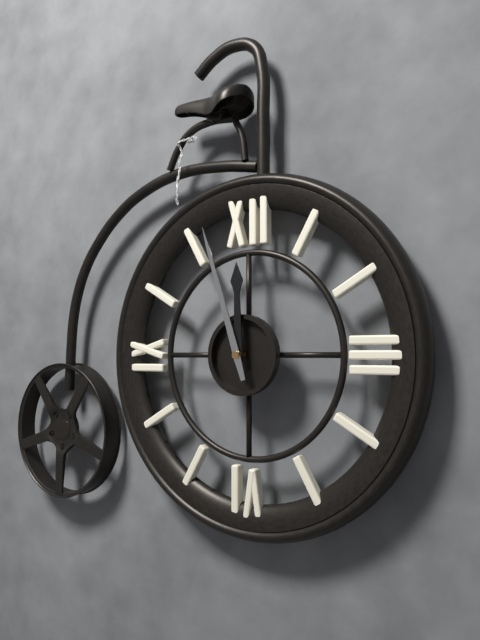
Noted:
**11:57**
